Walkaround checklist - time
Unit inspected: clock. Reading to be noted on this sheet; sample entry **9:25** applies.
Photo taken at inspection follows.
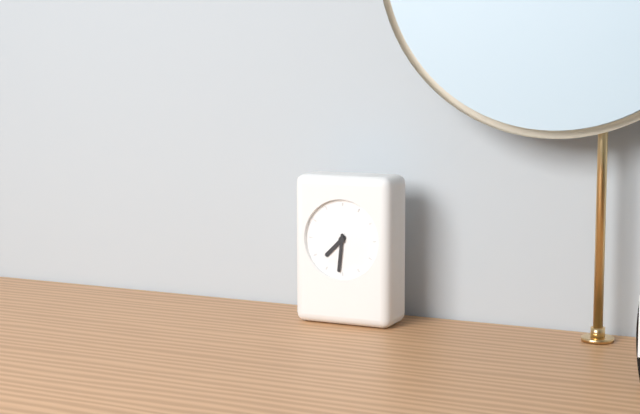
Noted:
**7:31**
